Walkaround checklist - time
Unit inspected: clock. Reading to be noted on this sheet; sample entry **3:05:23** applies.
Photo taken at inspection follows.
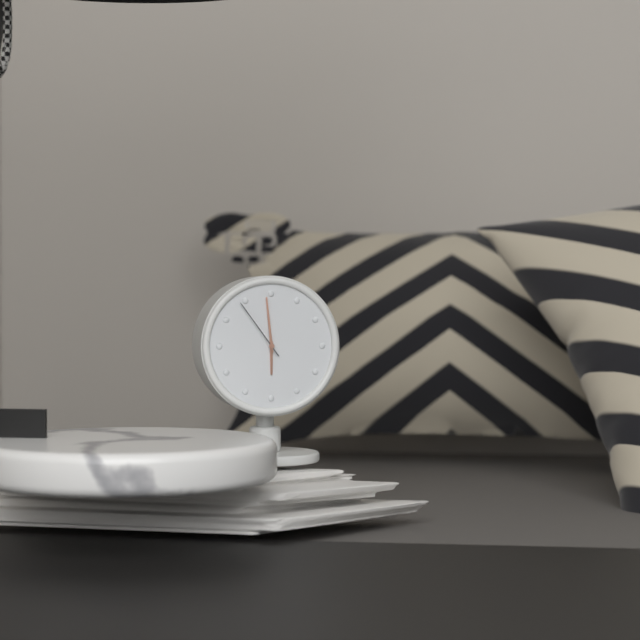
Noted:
**5:59:54**
